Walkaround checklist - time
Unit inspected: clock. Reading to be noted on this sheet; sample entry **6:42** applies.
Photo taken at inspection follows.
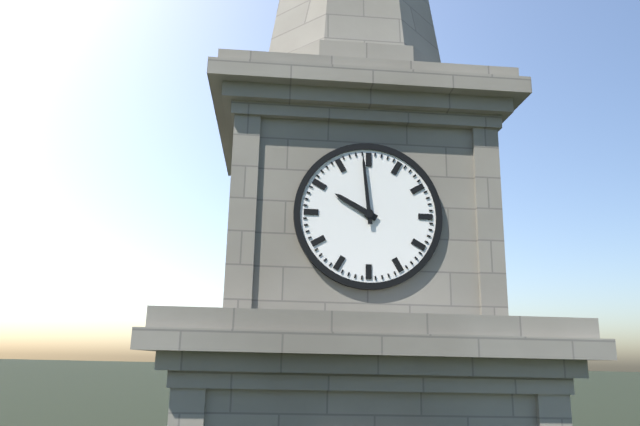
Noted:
**9:59**
